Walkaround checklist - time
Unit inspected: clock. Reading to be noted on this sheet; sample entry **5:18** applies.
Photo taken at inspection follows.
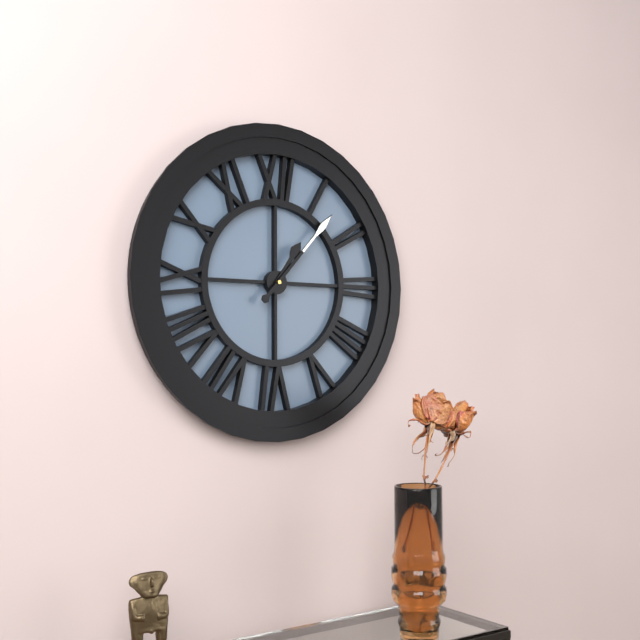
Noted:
**1:07**
